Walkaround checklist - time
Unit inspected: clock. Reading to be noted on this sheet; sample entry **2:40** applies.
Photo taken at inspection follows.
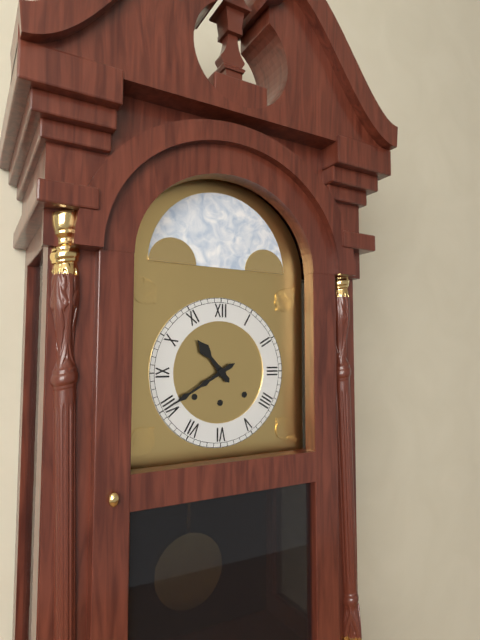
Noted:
**10:40**
